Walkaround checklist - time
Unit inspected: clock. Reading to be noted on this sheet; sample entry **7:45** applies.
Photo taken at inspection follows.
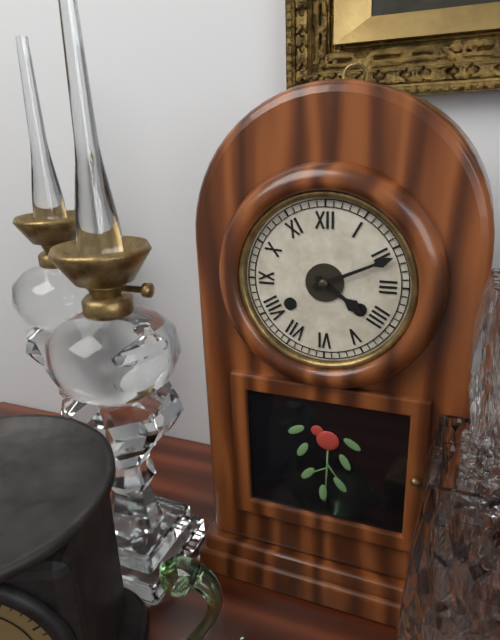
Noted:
**4:11**
